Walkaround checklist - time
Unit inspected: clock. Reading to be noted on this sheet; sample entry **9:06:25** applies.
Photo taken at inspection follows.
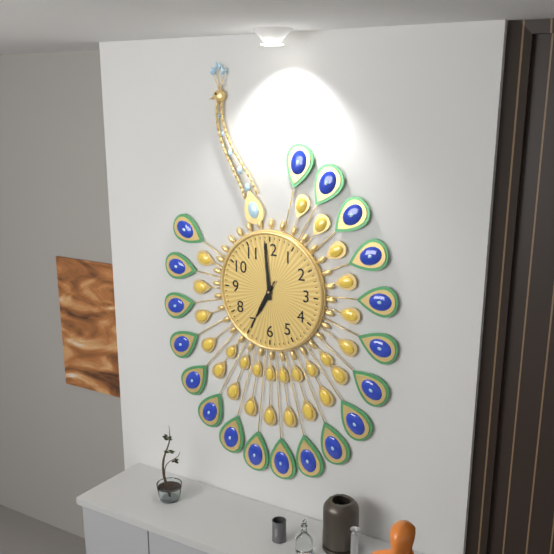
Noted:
**6:59:35**
